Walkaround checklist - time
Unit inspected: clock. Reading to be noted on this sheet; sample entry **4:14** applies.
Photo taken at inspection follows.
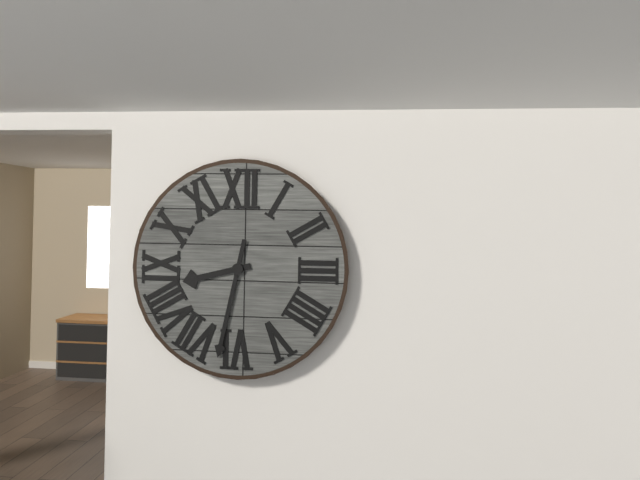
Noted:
**8:32**
